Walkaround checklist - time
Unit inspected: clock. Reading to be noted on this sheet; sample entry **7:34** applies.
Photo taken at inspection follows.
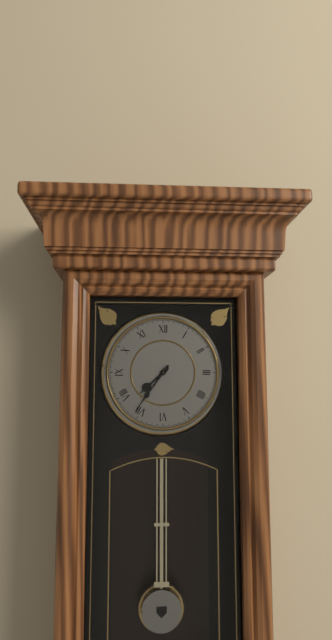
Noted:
**7:36**
